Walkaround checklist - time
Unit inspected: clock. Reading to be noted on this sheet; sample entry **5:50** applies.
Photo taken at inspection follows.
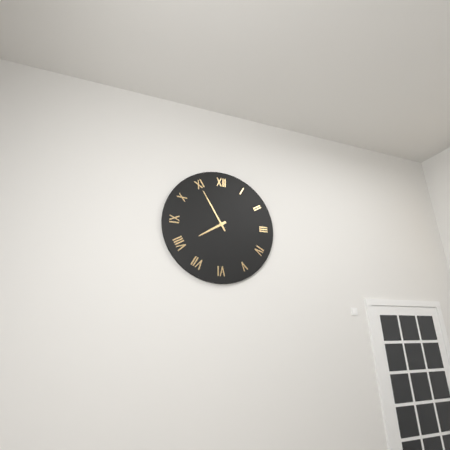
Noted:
**7:55**
